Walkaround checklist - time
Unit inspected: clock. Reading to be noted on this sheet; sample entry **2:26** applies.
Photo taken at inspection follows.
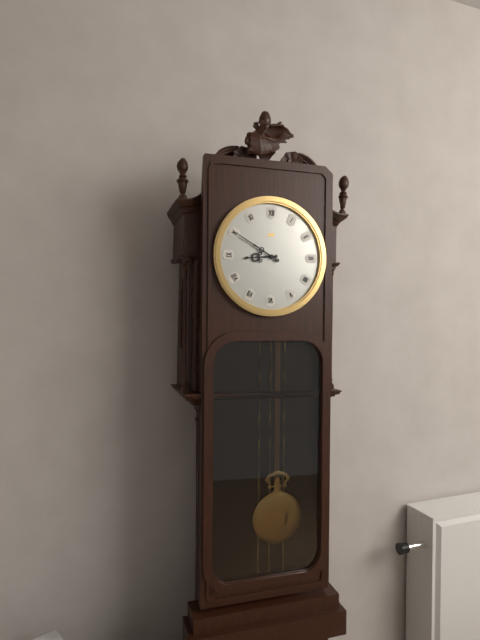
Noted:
**8:50**
